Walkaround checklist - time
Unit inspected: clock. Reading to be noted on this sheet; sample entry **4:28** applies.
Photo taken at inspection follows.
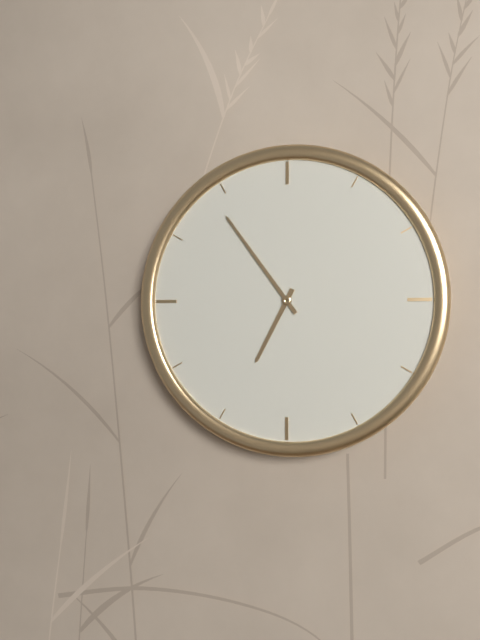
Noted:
**6:54**
